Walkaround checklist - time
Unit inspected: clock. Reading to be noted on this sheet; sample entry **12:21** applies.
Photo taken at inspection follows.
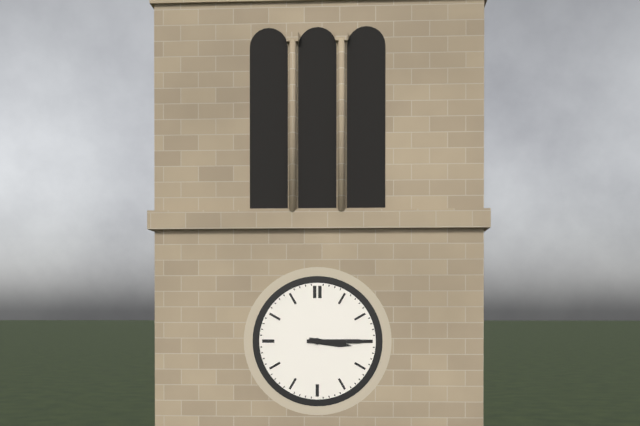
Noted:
**3:15**
